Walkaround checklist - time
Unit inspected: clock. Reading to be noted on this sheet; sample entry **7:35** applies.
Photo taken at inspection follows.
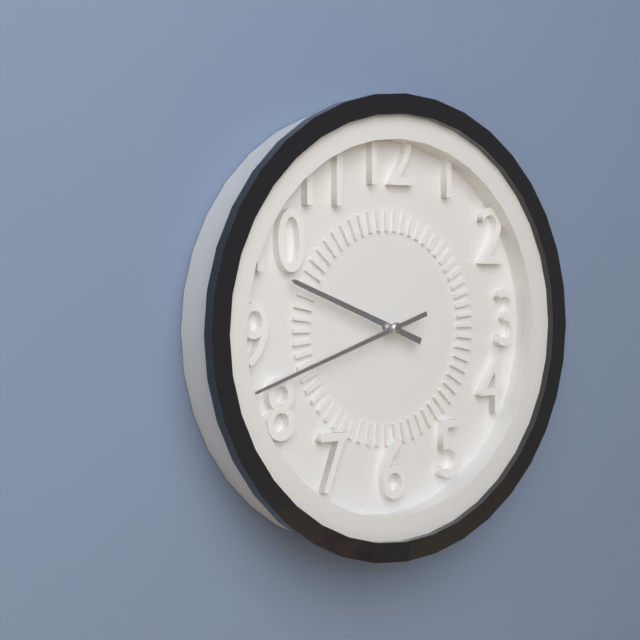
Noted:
**9:42**
